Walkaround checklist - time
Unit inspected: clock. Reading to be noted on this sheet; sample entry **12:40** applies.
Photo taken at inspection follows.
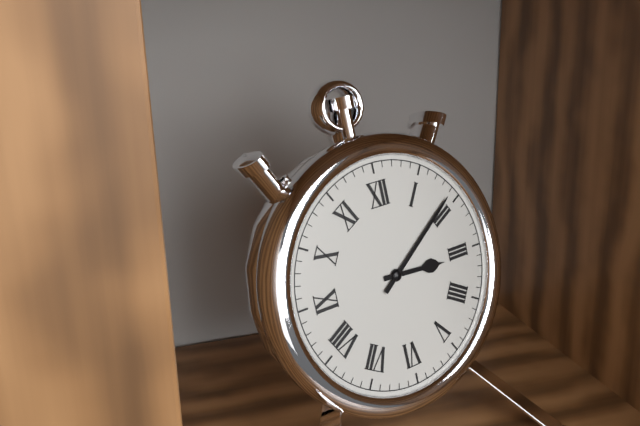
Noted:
**3:09**
